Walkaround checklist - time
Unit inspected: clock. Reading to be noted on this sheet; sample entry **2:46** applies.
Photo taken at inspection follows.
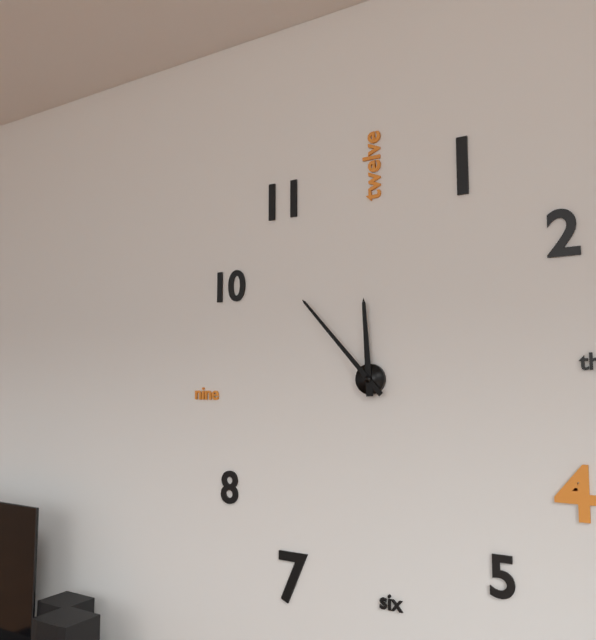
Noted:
**11:53**
